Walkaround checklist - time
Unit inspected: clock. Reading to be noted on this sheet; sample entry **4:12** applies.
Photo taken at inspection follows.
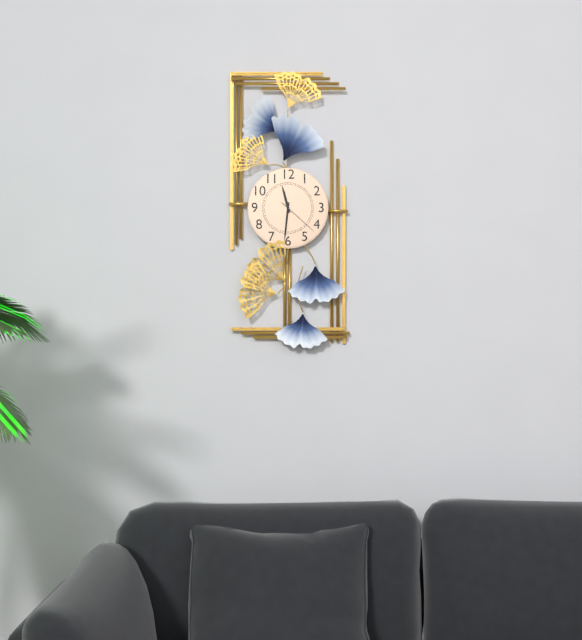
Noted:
**11:31**
